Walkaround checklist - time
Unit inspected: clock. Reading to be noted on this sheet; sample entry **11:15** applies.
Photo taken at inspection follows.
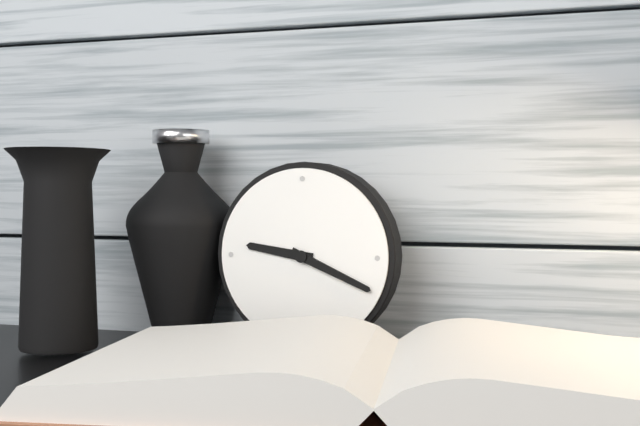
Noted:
**9:19**
